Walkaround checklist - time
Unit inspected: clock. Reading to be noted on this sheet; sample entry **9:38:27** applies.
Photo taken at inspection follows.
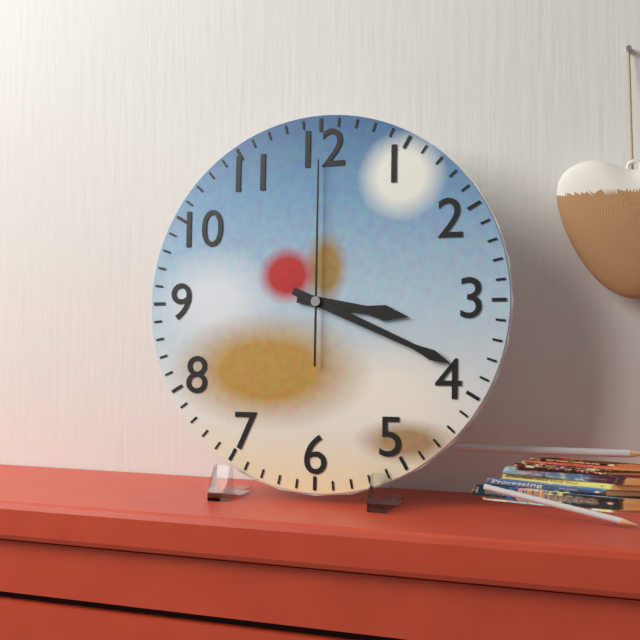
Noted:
**3:19:00**
